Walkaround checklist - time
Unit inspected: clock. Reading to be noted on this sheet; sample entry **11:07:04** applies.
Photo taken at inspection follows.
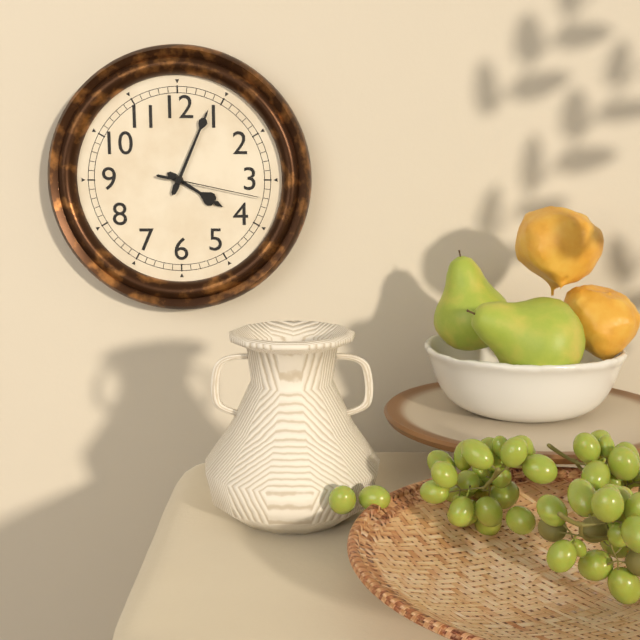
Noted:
**4:04:17**
